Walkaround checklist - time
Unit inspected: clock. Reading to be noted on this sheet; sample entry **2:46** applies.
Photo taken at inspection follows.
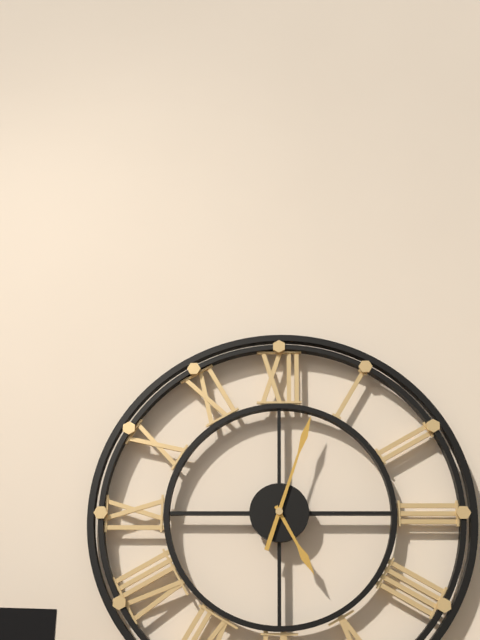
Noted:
**5:03**
